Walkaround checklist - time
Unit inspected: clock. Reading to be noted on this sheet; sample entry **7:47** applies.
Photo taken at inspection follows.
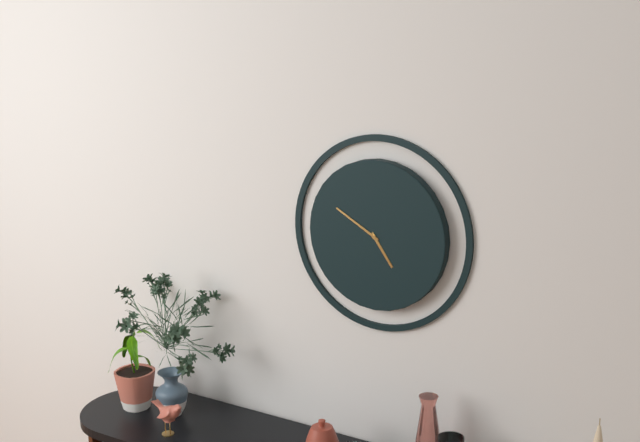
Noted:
**4:50**
